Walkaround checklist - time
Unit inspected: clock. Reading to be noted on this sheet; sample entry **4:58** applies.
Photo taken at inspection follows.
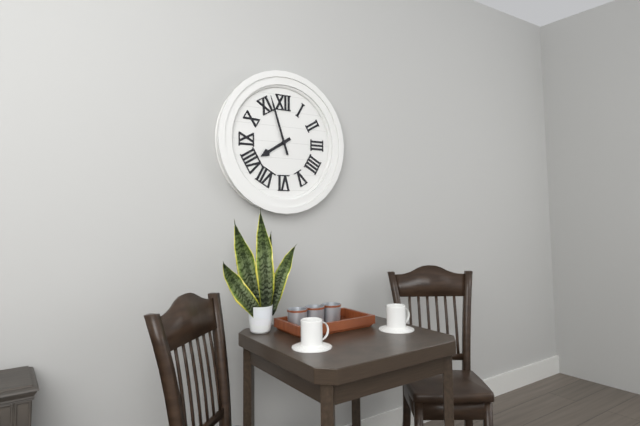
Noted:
**7:57**
